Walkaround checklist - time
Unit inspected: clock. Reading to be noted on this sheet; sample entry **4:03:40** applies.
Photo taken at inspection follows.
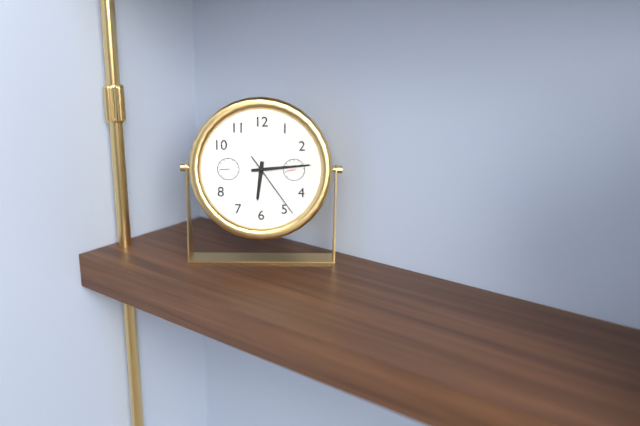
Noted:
**6:14:24**
